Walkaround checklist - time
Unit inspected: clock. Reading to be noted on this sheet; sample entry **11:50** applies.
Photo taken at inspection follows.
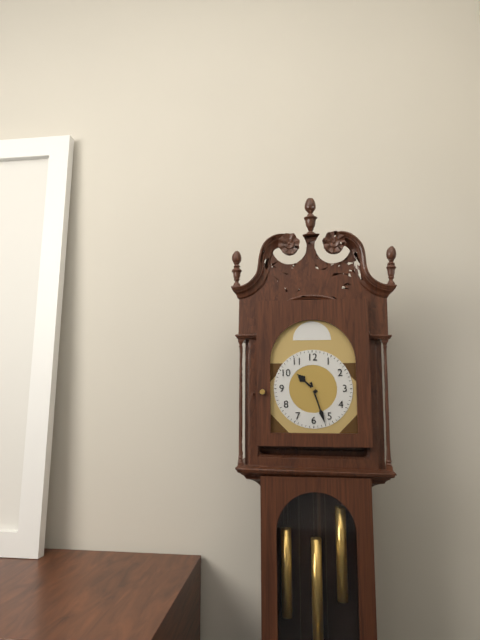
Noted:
**10:27**
